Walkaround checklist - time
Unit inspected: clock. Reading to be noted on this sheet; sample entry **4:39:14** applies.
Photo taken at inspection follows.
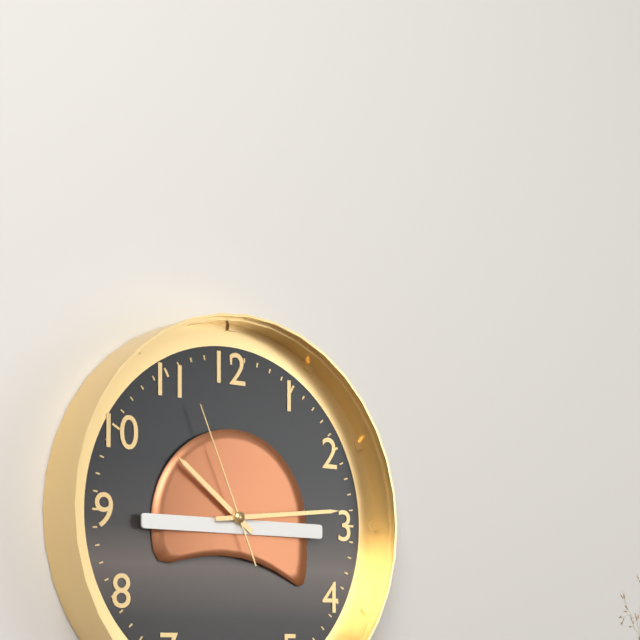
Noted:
**10:14:56**
